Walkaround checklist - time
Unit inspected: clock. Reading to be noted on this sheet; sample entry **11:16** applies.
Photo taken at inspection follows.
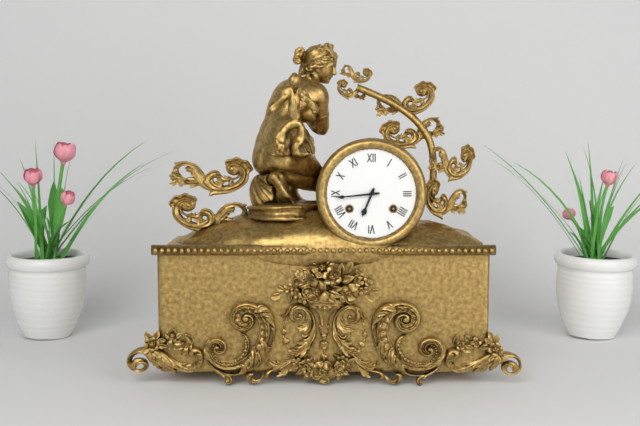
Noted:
**6:44**
